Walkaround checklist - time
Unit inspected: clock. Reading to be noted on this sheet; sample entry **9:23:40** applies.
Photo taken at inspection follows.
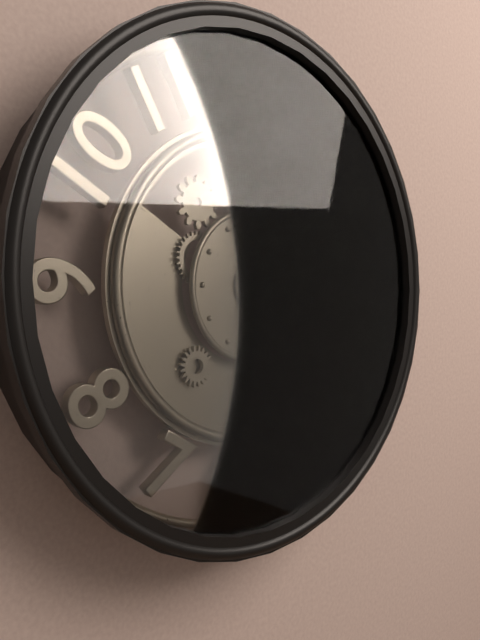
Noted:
**1:24:57**
